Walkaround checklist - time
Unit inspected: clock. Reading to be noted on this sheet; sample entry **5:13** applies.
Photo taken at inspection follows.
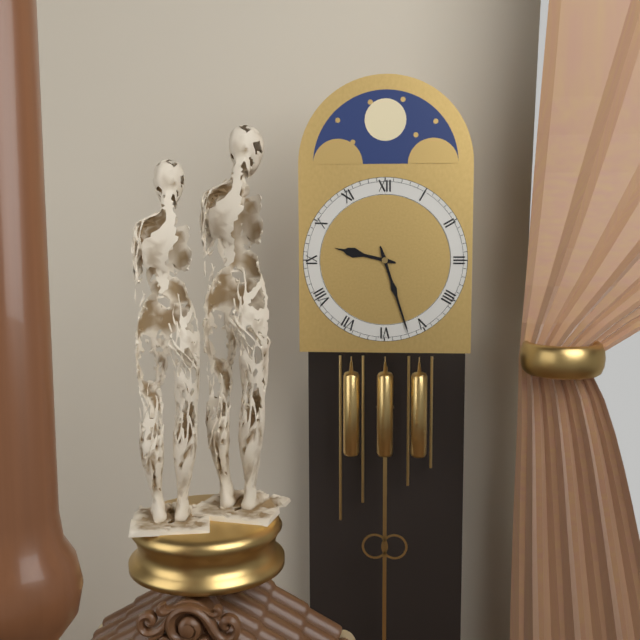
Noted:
**9:27**
